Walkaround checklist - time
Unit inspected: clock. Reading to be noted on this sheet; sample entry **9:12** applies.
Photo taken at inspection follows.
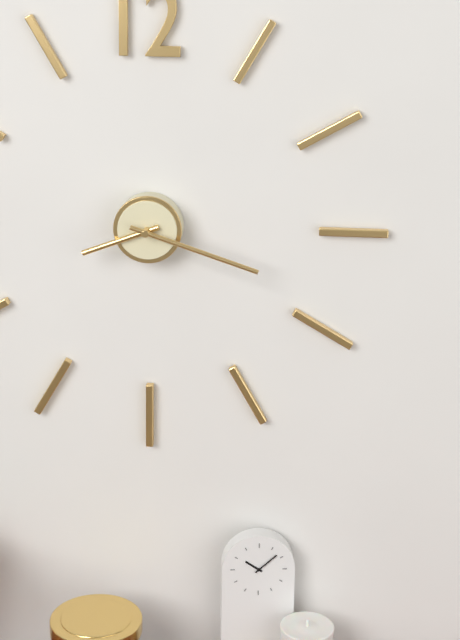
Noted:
**8:18**
